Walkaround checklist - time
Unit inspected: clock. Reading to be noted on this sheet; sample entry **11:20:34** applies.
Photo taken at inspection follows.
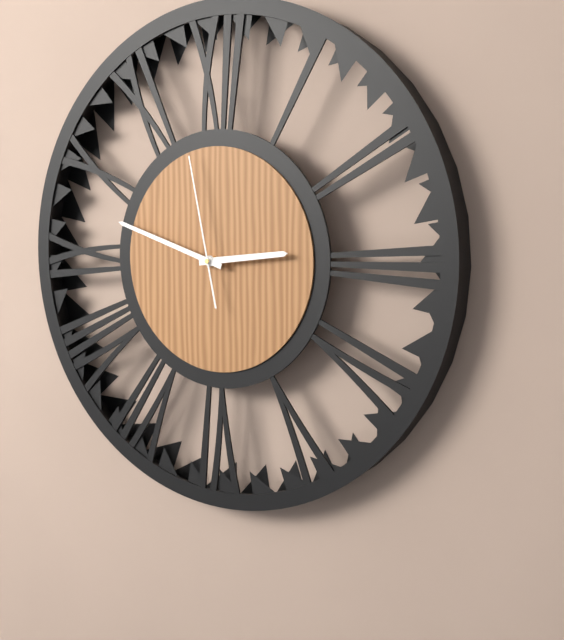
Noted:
**2:48:58**
